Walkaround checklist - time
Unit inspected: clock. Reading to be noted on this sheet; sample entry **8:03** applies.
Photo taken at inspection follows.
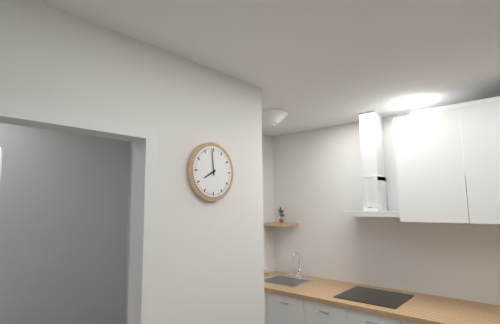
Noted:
**7:59**
